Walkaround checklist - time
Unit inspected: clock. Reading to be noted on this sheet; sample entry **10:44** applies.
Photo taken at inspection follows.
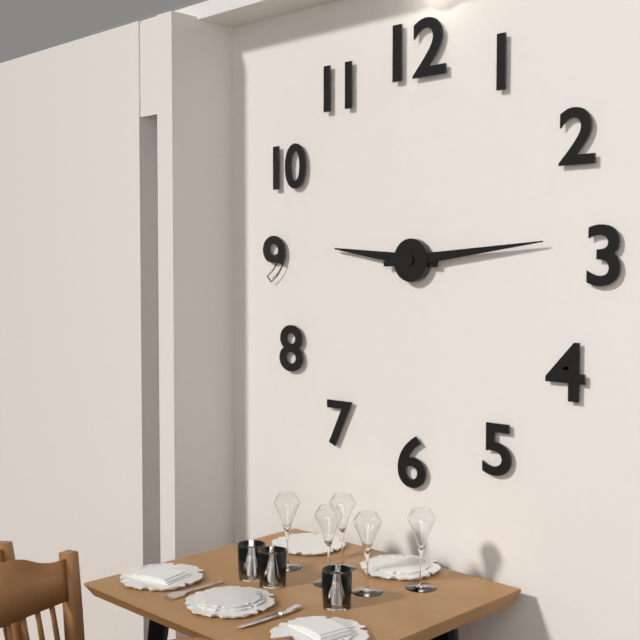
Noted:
**9:14**
